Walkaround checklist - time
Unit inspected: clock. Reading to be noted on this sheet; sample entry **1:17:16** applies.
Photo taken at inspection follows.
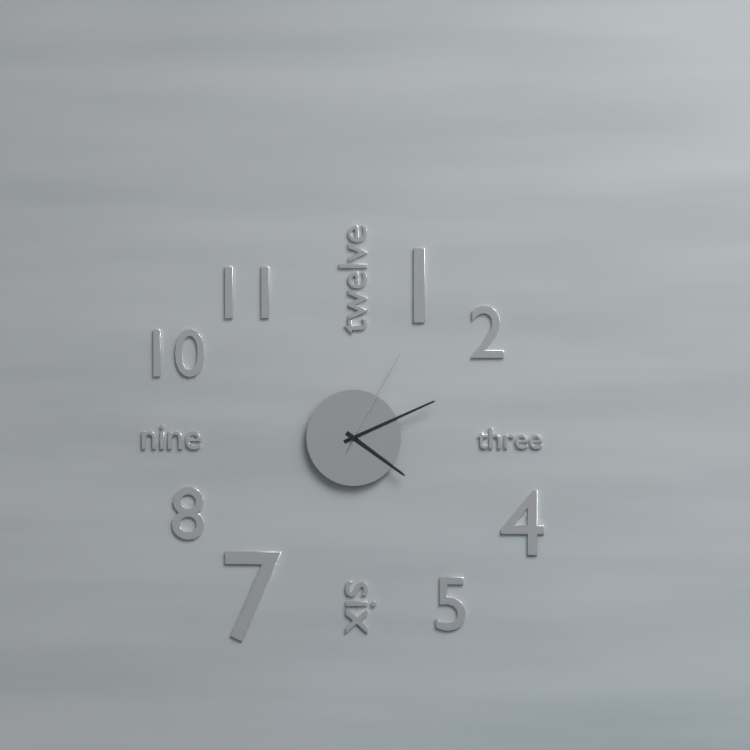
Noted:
**4:11:05**
